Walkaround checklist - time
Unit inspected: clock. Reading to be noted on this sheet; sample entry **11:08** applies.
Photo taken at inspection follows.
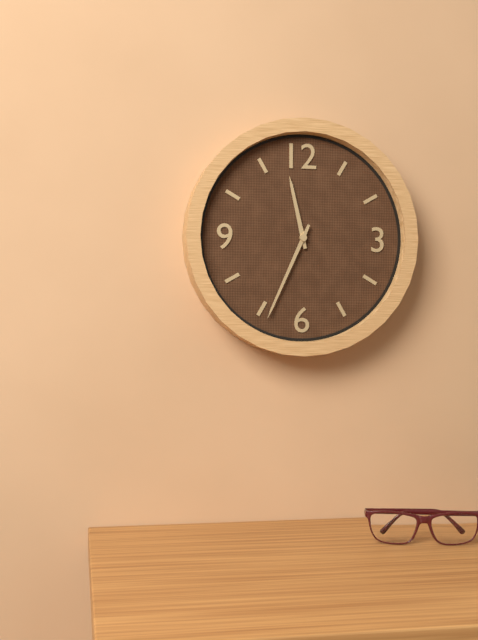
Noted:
**11:34**
